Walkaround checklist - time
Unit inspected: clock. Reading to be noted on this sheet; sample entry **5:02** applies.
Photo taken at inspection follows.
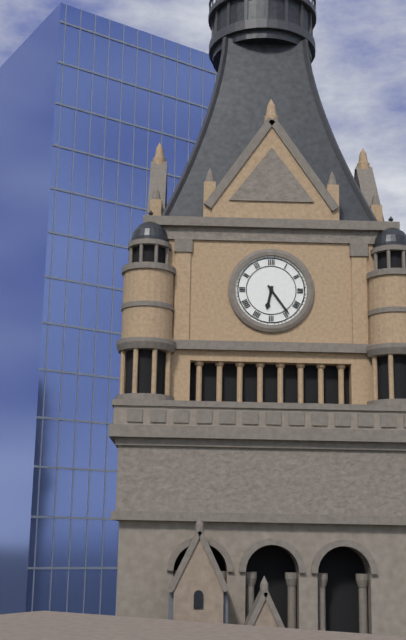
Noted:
**6:24**
